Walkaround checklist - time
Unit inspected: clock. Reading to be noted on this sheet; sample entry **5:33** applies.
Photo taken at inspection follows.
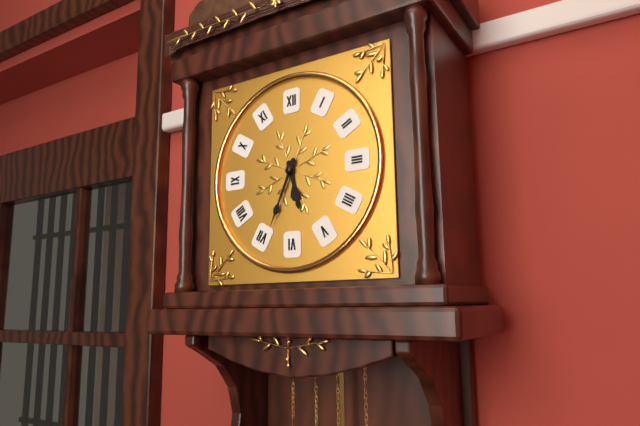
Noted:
**5:34**
